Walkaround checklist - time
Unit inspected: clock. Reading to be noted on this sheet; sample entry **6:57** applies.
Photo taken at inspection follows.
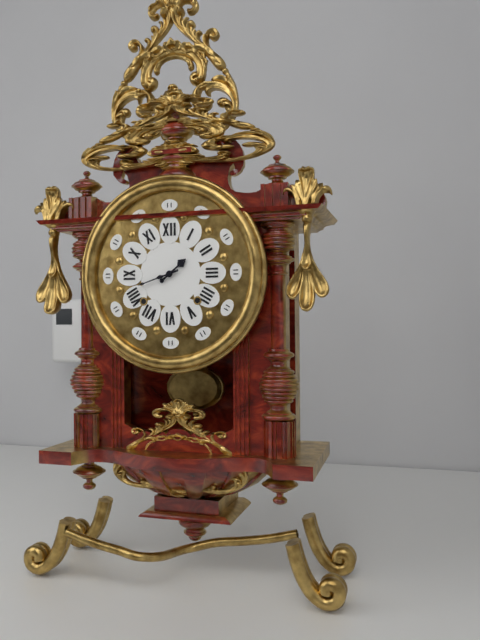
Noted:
**1:42**
